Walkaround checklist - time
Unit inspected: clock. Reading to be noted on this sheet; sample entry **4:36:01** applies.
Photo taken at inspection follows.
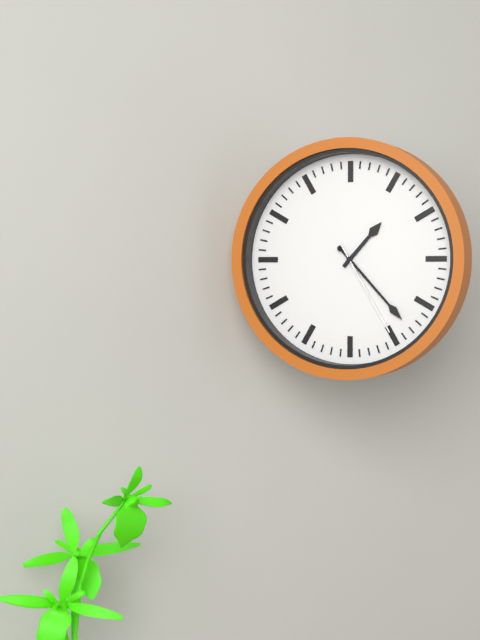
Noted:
**1:23:25**
